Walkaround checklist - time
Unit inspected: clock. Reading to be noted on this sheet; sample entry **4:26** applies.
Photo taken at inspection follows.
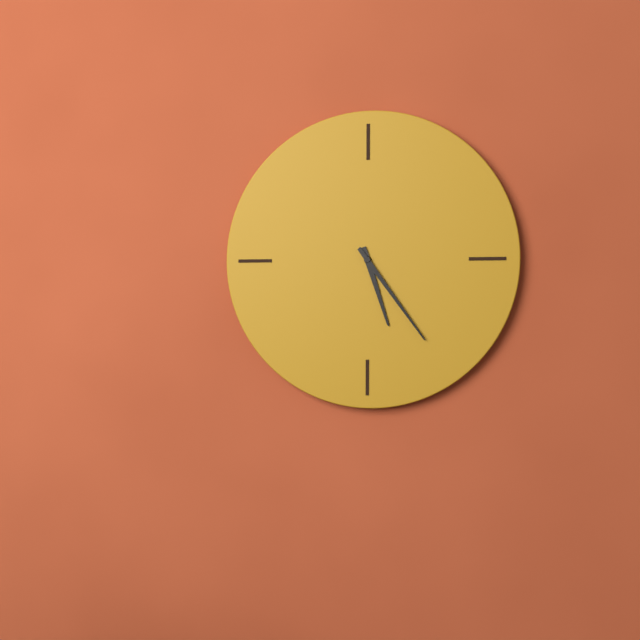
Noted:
**5:24**
